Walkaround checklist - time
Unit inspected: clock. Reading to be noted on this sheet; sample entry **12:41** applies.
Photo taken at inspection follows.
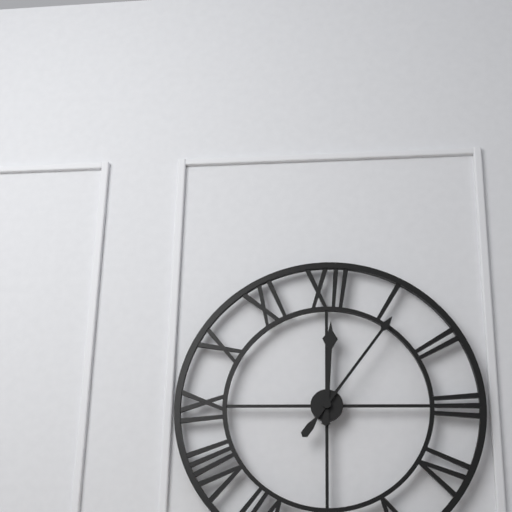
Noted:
**12:06**
